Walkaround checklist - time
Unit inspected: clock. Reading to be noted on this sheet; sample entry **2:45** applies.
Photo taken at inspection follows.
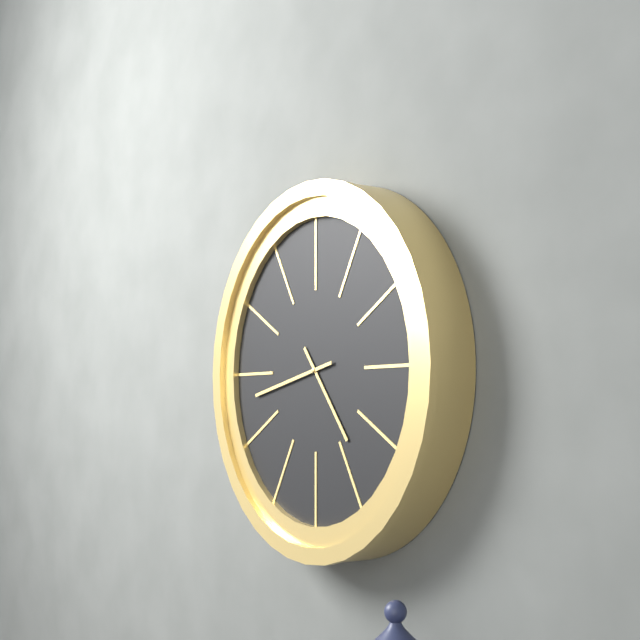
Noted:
**4:43**
